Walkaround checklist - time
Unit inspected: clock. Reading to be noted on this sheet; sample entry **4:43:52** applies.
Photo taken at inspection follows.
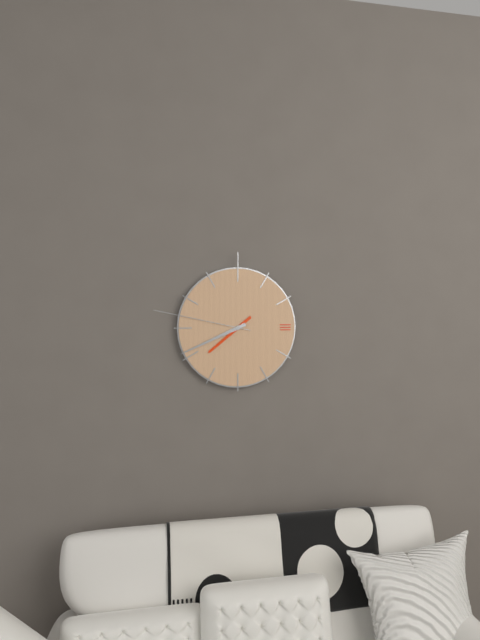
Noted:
**7:41:47**
